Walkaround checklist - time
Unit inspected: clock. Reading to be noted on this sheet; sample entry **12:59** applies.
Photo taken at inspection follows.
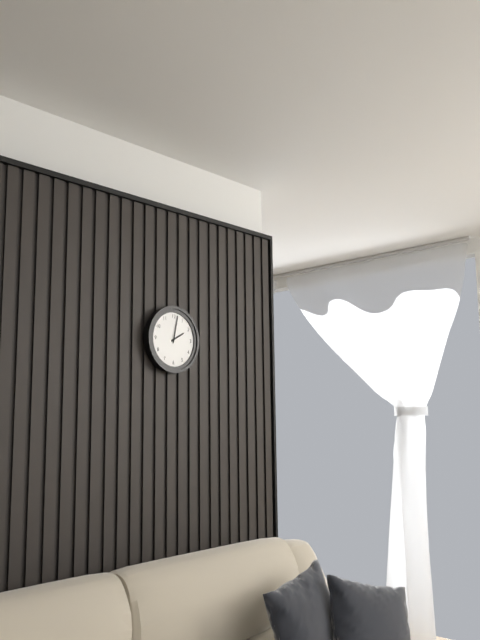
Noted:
**2:02**
